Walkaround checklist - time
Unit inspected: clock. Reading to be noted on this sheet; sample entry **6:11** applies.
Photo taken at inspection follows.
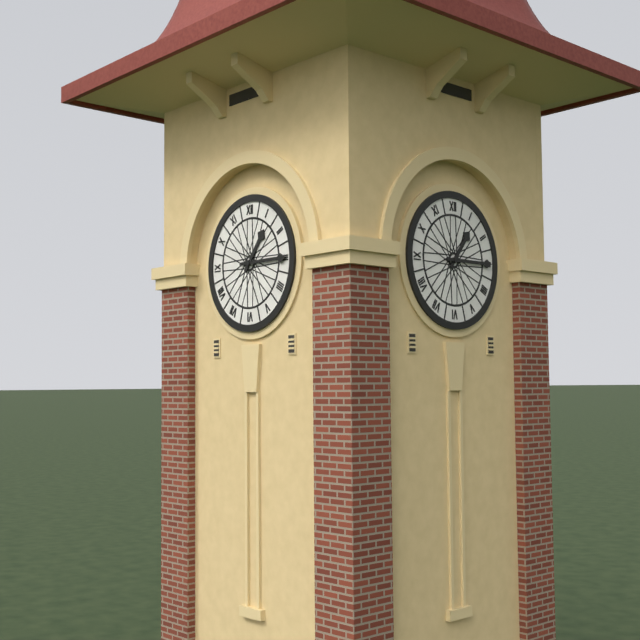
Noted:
**1:15**
